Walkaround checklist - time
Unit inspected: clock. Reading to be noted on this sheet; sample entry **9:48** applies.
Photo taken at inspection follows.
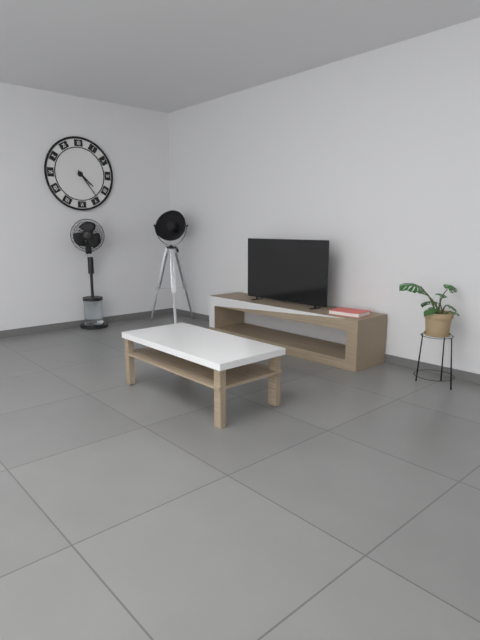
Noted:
**4:24**
